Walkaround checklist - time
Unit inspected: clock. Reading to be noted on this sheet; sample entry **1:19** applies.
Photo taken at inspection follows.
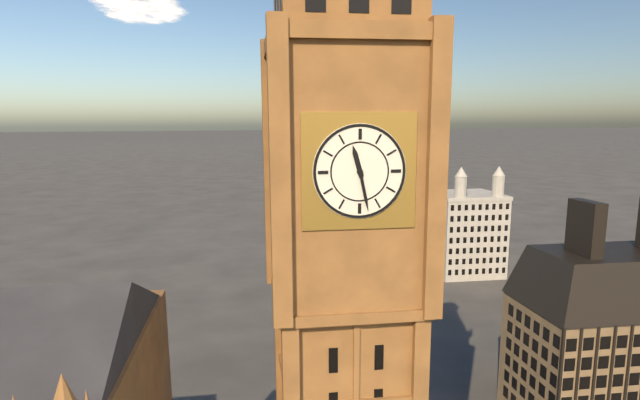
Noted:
**11:28**
